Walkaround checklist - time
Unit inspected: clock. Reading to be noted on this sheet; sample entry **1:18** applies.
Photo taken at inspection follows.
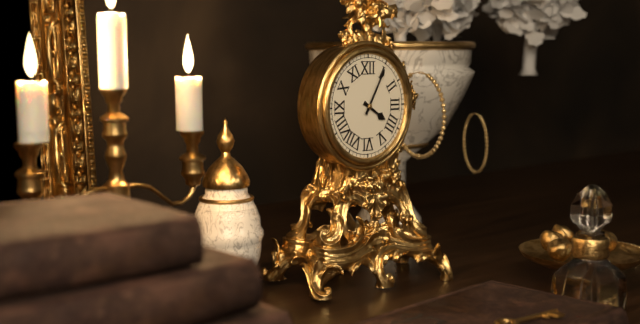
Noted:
**4:05**
